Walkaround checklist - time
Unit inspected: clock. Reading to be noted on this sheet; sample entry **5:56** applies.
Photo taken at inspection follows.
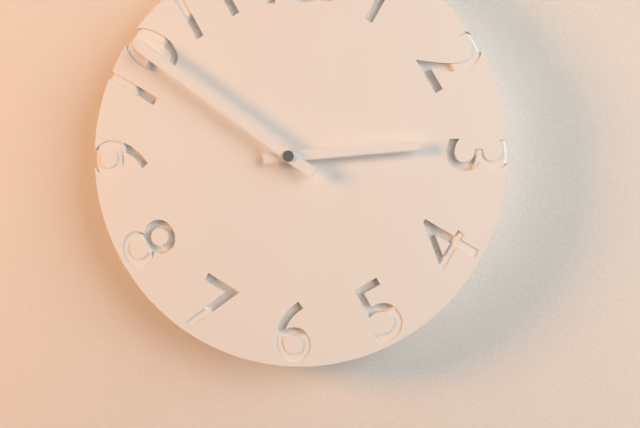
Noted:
**2:51**
